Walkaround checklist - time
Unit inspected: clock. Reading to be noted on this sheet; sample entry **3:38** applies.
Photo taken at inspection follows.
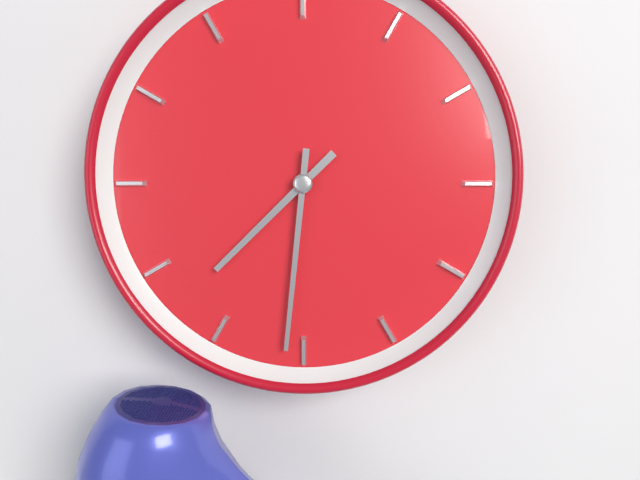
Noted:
**7:31**
